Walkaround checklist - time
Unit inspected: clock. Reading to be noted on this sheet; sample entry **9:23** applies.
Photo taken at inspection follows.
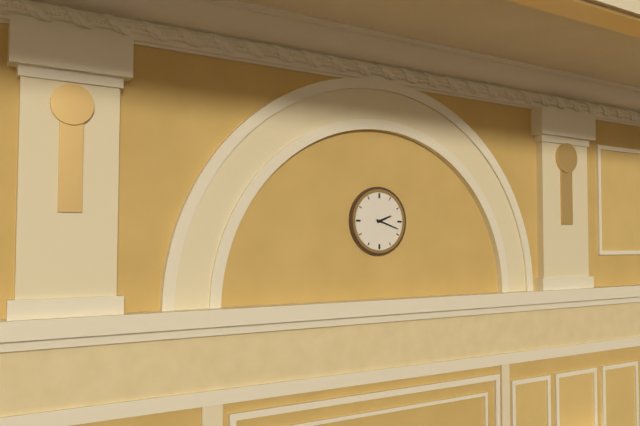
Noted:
**2:18**
